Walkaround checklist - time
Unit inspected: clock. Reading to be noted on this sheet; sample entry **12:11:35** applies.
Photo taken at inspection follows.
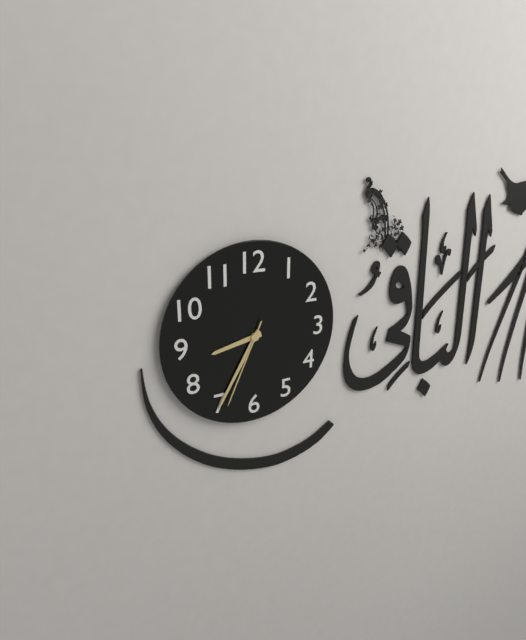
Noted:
**8:35:34**
